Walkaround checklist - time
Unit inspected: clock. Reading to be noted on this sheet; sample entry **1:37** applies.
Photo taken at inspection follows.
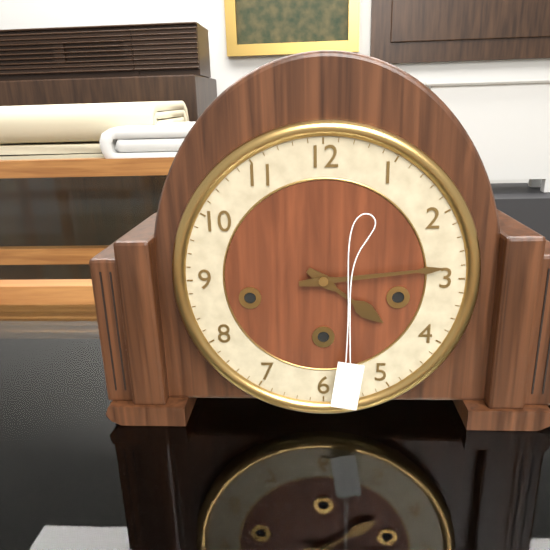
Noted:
**4:14**
